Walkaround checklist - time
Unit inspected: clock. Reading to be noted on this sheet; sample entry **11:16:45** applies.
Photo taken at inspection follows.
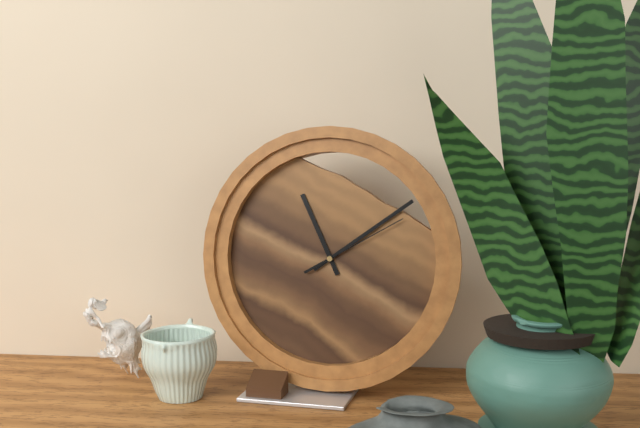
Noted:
**11:09:10**
